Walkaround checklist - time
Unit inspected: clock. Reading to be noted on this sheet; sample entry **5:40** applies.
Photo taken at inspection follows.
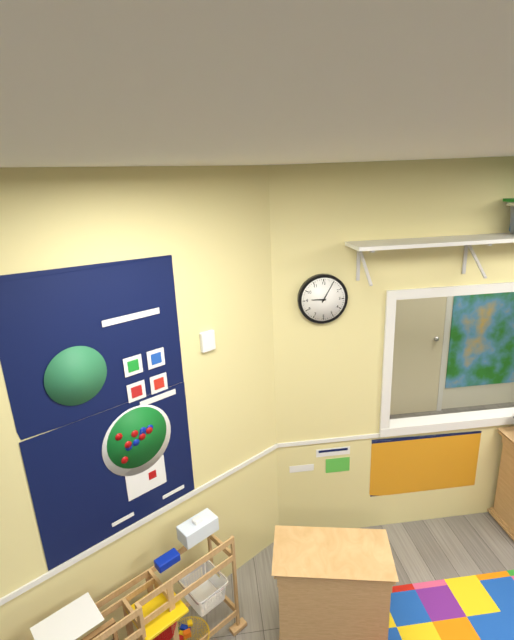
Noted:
**9:05**
